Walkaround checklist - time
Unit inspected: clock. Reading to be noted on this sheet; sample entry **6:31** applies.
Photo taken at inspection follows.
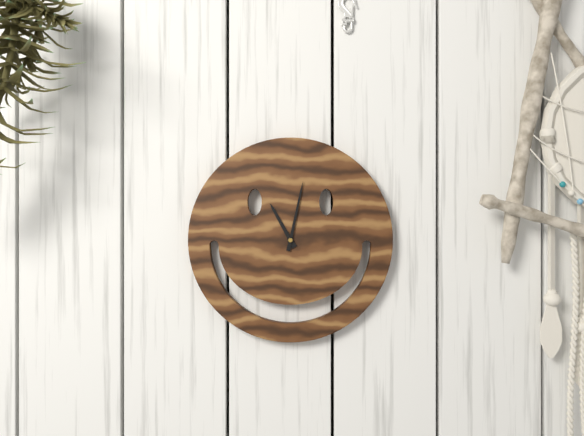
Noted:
**11:02**
